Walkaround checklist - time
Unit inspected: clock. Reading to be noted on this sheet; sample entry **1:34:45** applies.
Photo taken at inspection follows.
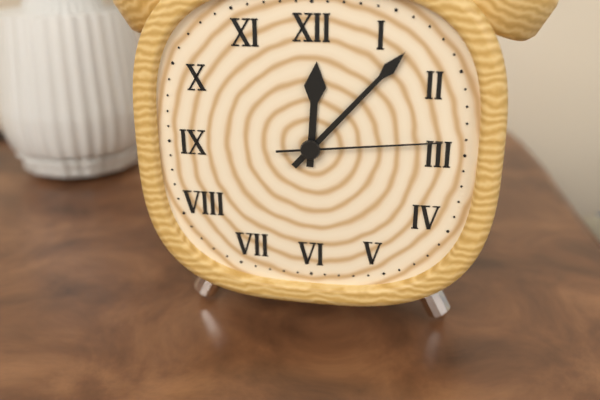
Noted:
**12:07:14**
